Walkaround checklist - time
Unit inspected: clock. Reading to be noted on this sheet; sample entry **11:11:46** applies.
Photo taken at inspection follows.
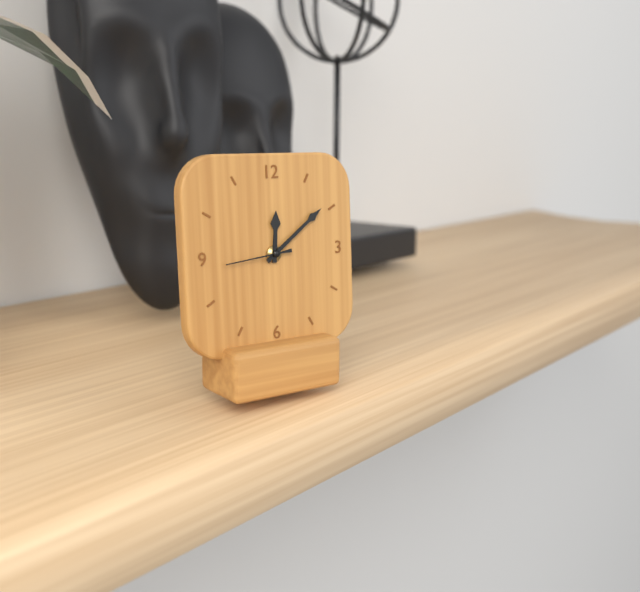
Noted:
**12:09:44**
